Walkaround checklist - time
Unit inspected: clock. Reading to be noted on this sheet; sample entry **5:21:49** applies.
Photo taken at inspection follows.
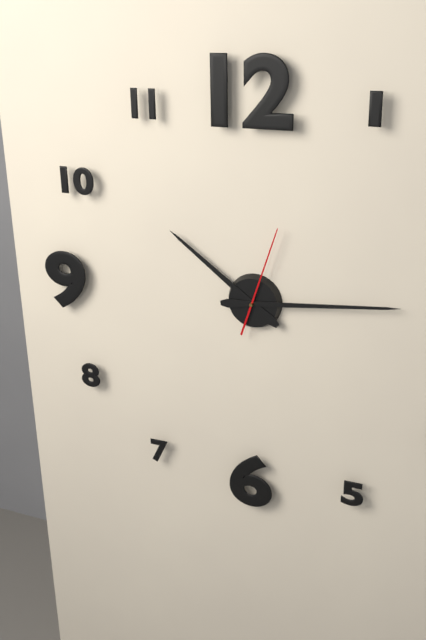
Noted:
**10:14:03**
